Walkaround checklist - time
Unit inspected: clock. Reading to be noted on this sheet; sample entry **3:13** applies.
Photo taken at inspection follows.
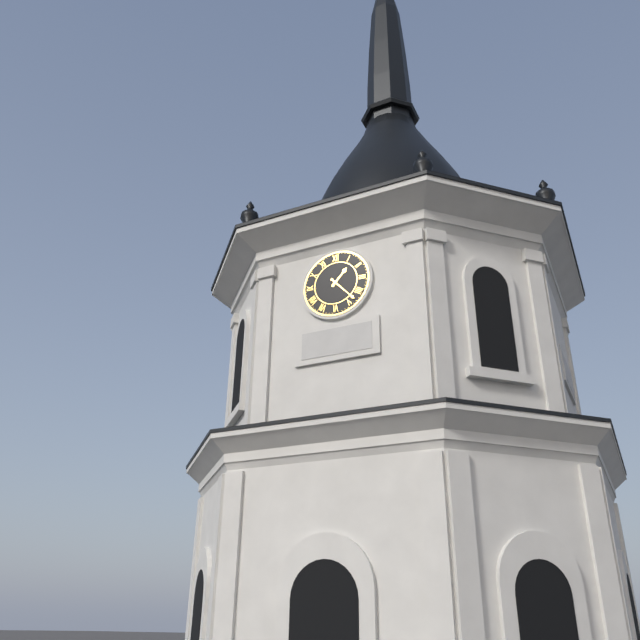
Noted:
**1:23**
